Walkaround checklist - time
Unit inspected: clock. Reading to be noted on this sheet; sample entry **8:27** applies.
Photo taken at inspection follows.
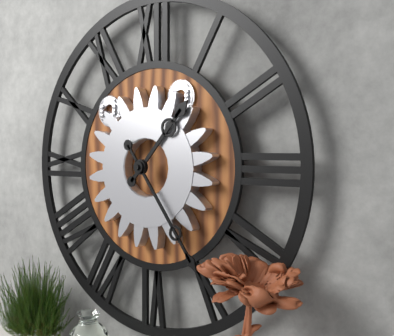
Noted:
**1:24**
